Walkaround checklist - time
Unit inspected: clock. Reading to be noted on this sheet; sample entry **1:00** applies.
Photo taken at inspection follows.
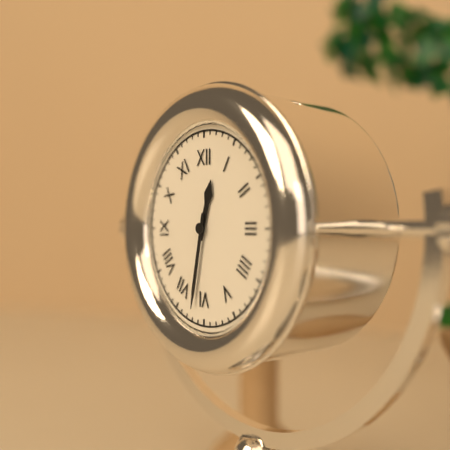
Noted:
**12:32**
